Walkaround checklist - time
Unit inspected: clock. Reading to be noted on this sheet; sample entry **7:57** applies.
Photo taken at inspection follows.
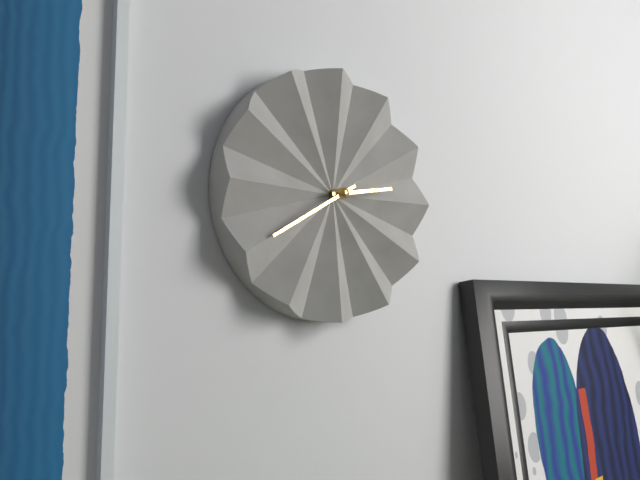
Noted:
**2:40**
